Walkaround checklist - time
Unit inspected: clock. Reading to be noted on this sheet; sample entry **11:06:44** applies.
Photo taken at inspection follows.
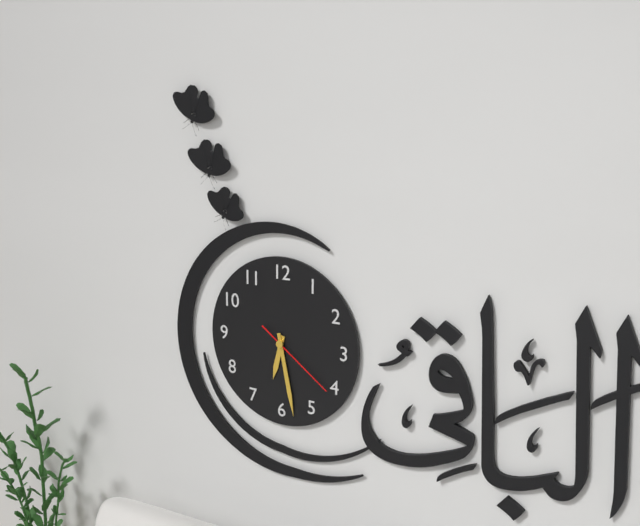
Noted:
**6:28:21**
